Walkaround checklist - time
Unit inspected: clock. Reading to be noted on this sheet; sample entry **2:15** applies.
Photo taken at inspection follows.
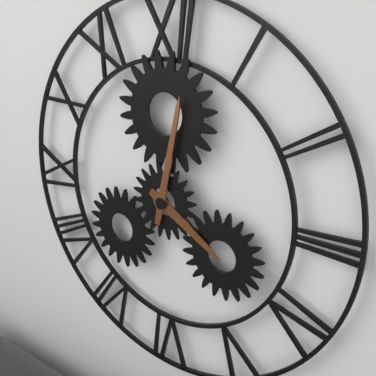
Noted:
**4:02**
